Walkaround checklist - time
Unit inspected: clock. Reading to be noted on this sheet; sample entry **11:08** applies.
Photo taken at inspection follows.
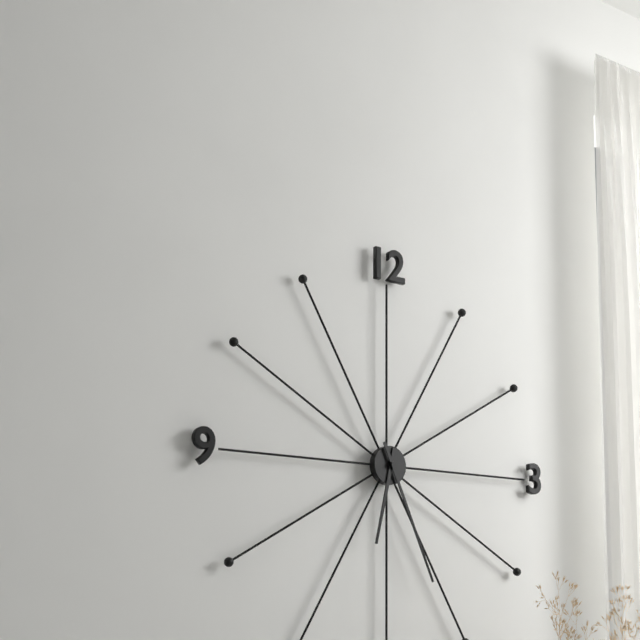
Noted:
**6:26**
